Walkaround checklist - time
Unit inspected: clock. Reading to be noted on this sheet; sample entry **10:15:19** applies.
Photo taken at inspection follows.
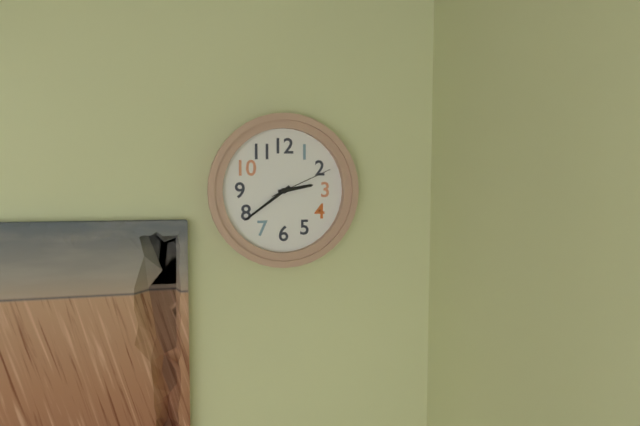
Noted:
**2:39:11**
